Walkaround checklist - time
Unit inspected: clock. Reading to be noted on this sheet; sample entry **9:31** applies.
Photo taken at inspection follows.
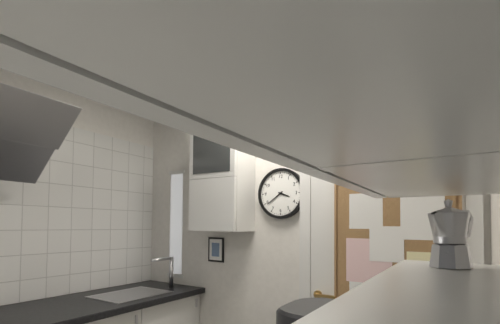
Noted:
**3:39**
